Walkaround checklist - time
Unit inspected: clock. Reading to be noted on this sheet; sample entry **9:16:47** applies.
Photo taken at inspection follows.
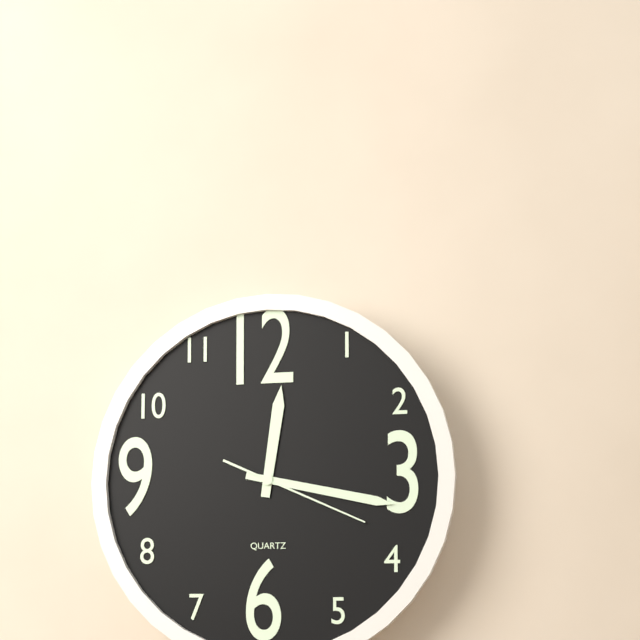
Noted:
**12:17:19**
